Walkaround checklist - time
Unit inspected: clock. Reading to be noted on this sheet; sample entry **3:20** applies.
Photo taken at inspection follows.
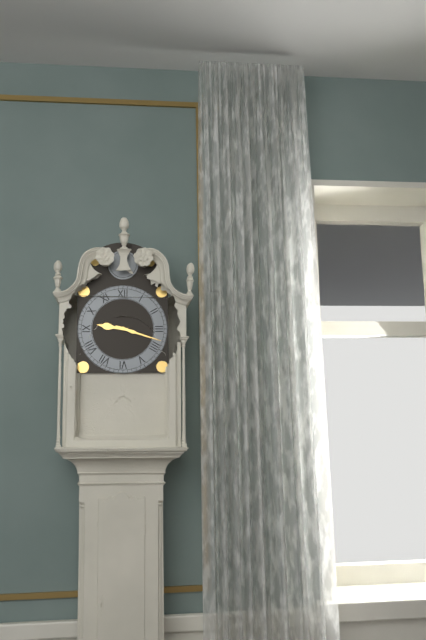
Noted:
**9:18**
